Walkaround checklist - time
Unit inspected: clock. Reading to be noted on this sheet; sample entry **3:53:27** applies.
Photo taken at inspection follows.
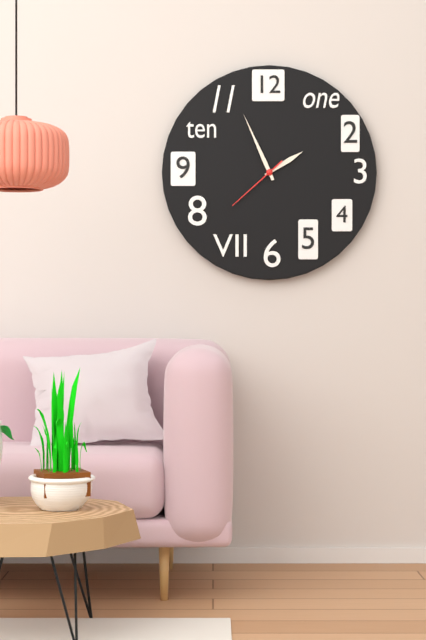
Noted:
**1:56:38**
